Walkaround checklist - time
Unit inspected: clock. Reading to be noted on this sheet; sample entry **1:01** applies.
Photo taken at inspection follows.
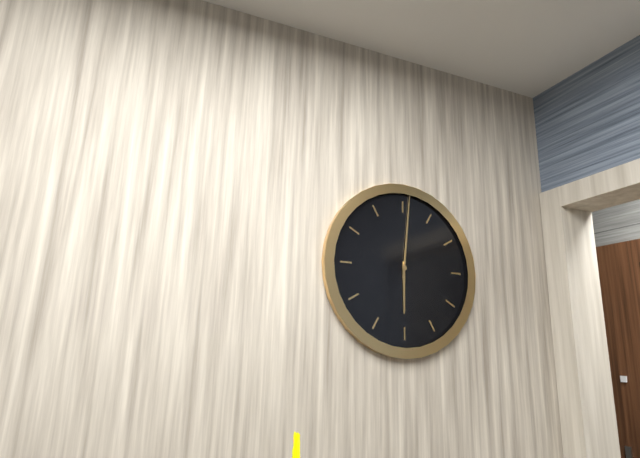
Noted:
**6:01**
